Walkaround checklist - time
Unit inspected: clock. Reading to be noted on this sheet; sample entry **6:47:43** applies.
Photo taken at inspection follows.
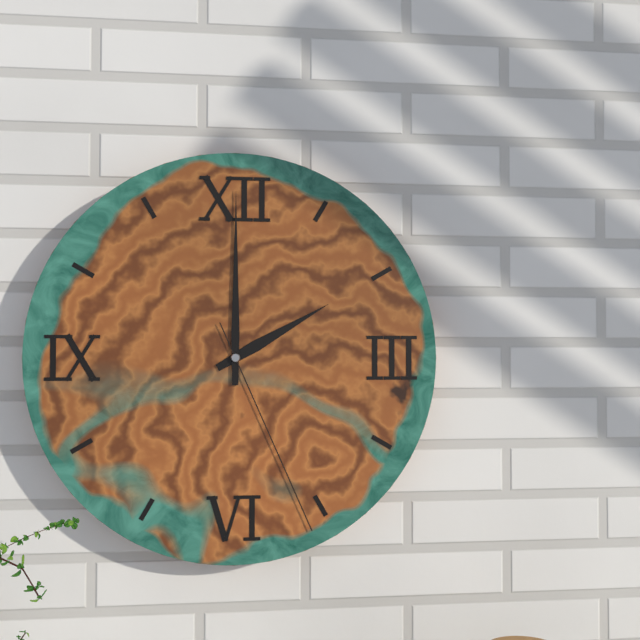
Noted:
**2:00:26**
